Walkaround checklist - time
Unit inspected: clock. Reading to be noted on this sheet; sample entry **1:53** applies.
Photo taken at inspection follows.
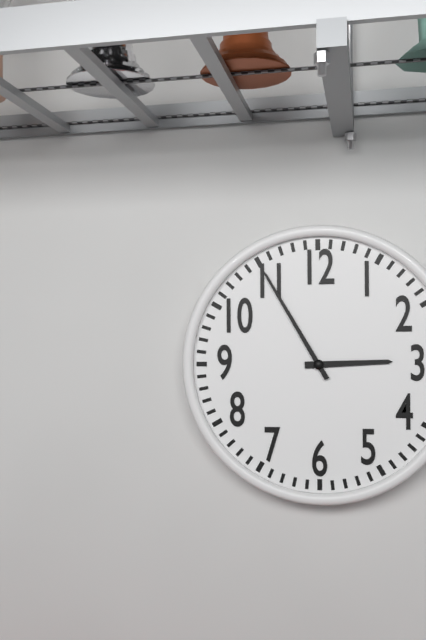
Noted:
**2:55**
